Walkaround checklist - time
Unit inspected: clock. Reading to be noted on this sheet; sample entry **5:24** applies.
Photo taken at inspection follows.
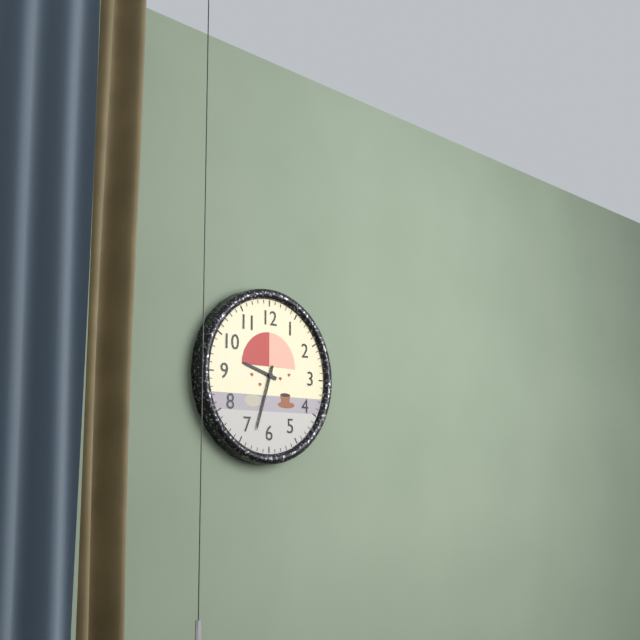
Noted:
**9:33**
